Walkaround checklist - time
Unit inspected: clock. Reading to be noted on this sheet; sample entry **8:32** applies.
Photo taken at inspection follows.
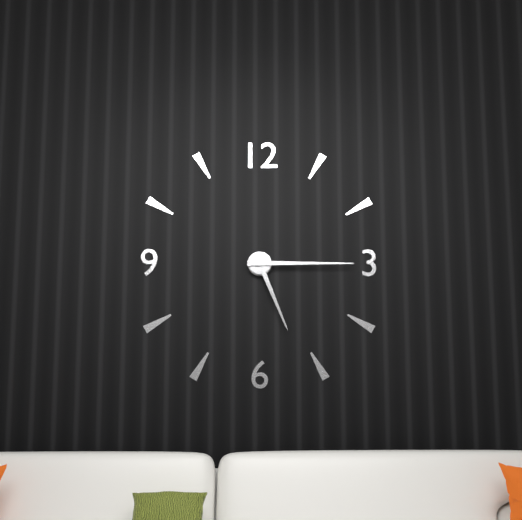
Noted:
**5:15**
